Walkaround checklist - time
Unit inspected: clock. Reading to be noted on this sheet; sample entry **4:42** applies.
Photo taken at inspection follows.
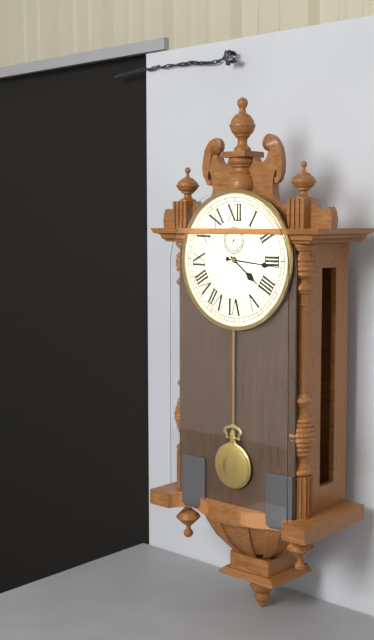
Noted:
**4:16**
